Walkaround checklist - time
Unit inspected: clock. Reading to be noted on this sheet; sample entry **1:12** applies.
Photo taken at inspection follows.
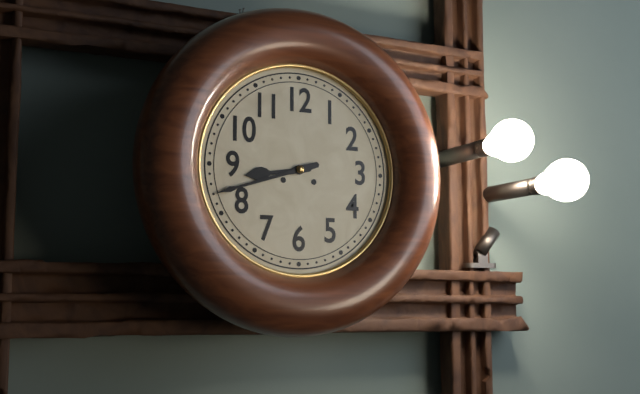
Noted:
**8:42**
